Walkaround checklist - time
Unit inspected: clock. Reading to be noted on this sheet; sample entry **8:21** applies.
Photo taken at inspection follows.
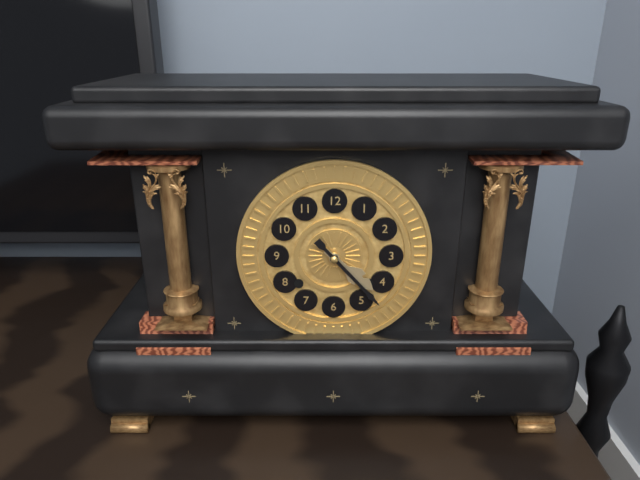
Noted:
**4:23**
